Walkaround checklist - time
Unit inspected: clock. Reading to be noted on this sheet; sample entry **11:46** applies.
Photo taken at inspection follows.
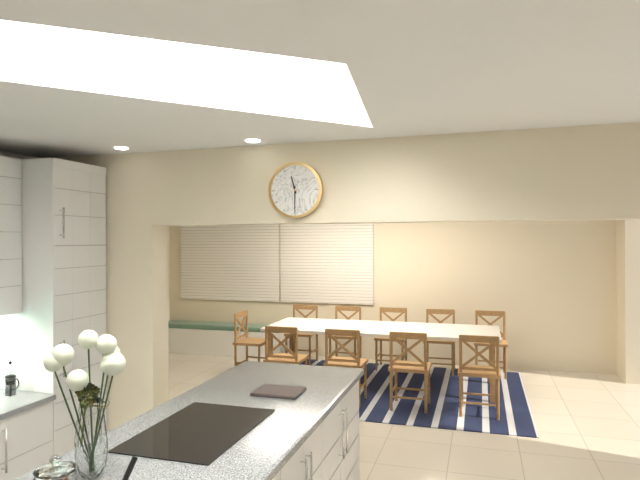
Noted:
**11:30**
